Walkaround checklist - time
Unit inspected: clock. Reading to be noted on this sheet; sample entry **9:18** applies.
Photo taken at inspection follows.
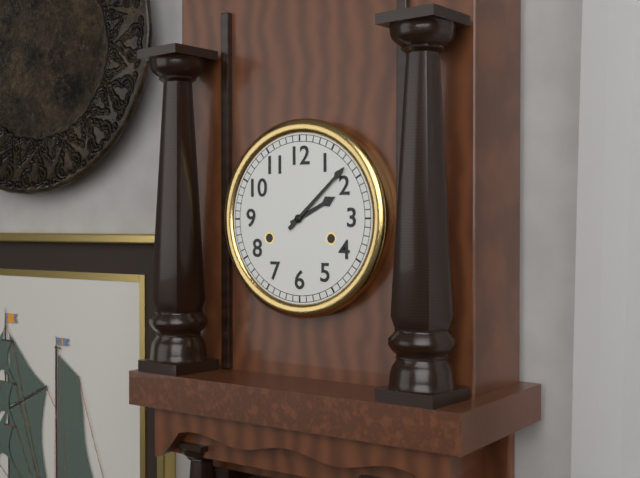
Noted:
**2:08**
